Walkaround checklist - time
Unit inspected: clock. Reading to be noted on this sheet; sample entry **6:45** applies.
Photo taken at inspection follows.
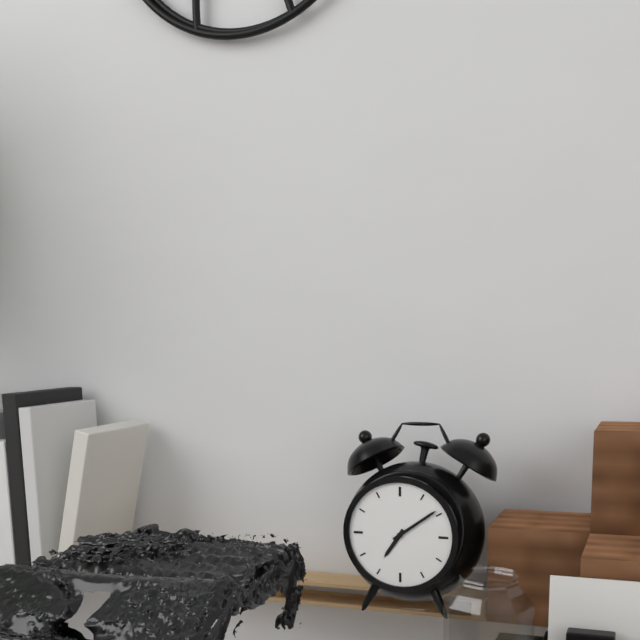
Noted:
**7:09**
